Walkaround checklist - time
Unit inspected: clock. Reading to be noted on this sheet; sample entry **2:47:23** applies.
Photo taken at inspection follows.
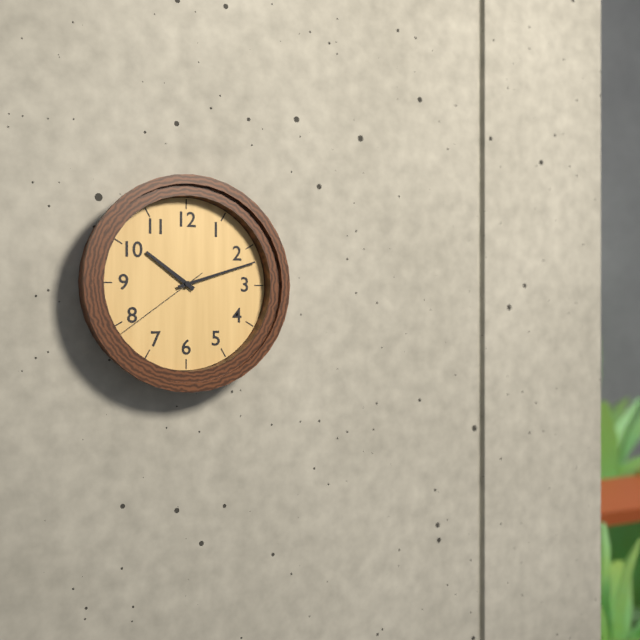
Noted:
**10:12:39**
